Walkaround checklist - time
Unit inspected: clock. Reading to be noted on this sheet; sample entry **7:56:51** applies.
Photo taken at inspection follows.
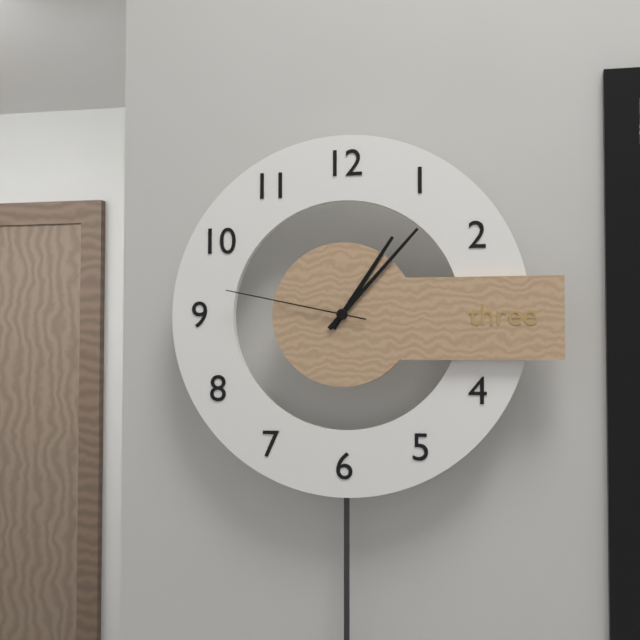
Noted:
**1:07:47**
